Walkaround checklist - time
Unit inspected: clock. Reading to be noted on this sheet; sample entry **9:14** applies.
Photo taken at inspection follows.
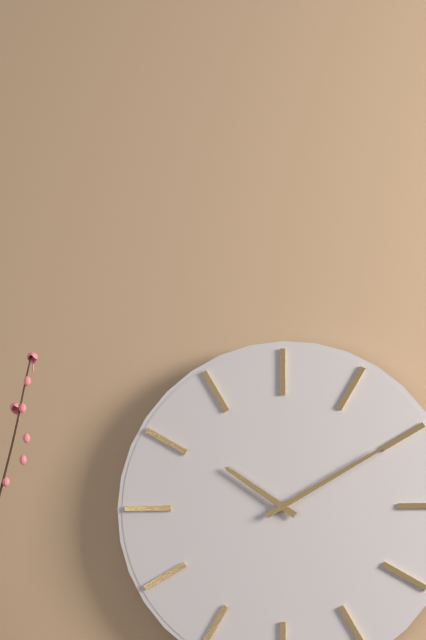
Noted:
**10:10**
